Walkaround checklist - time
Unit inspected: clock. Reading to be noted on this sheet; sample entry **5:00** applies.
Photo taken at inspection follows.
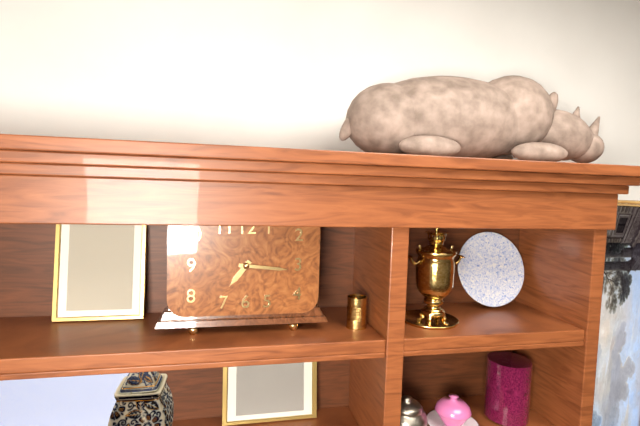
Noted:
**7:16**
